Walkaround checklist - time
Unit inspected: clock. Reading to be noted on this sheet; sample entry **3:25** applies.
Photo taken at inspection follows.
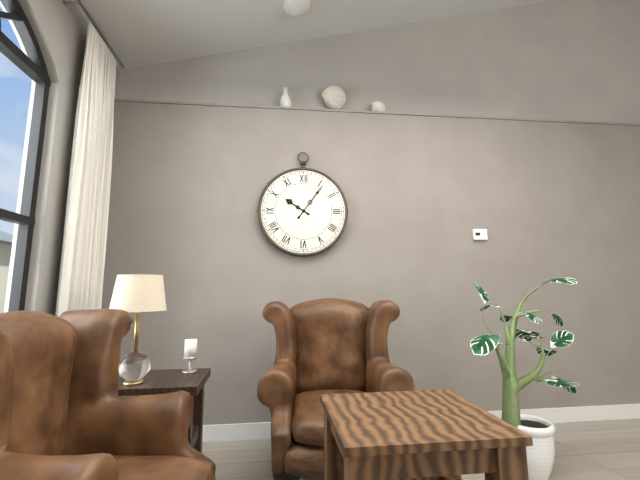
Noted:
**10:06**
